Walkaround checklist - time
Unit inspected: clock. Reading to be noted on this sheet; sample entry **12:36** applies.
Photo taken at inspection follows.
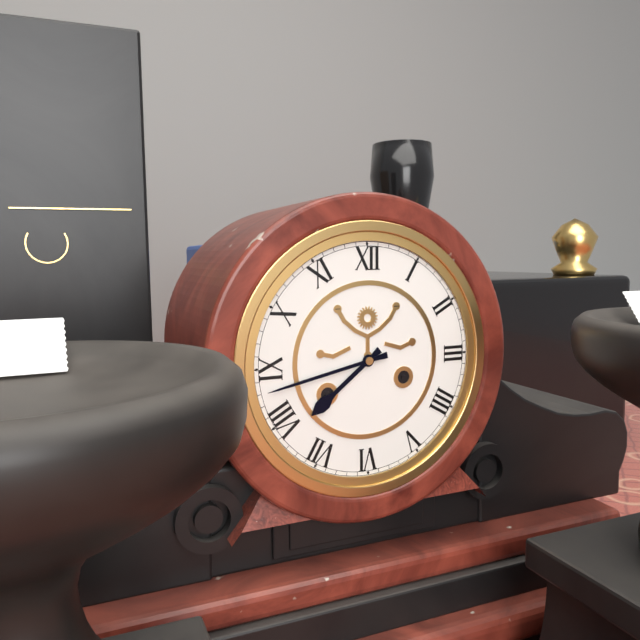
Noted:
**7:43**
